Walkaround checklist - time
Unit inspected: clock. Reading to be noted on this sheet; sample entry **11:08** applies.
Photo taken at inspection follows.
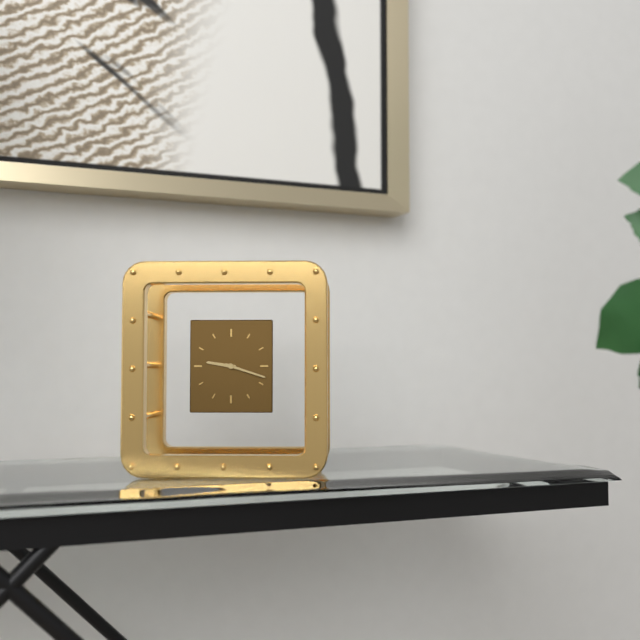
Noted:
**9:18**
